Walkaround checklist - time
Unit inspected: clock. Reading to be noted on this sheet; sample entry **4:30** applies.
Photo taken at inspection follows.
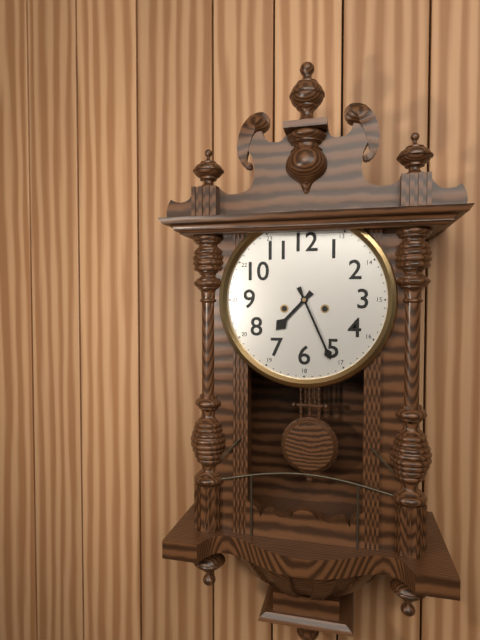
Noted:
**7:26**
